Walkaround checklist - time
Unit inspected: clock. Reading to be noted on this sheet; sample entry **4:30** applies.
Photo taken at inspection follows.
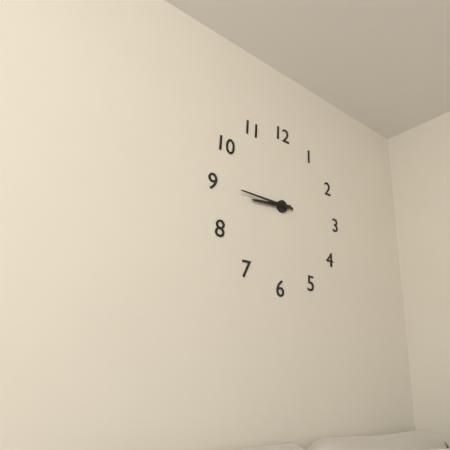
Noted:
**8:45**
